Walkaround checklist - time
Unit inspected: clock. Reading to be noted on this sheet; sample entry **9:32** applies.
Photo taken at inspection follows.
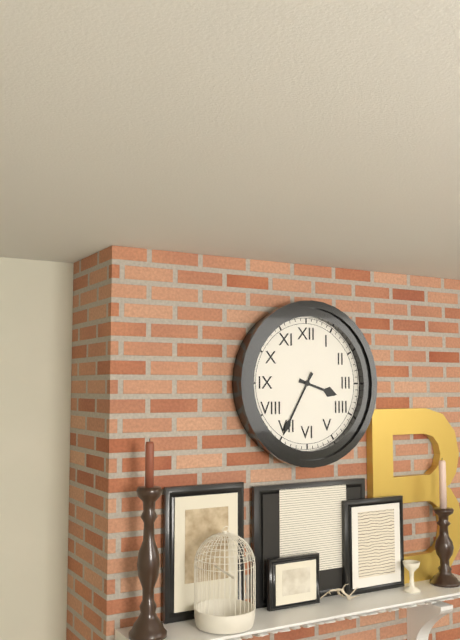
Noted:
**3:35**
